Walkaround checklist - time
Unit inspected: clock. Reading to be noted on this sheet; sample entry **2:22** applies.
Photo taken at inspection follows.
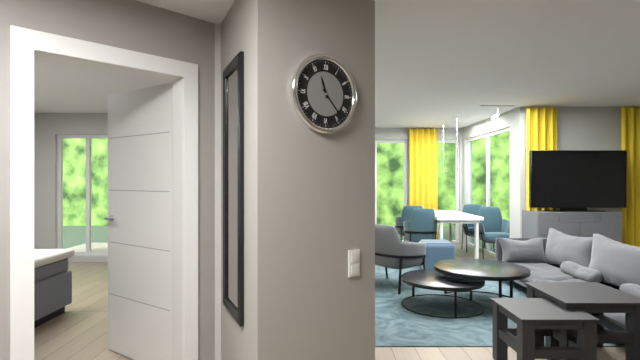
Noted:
**11:23**
